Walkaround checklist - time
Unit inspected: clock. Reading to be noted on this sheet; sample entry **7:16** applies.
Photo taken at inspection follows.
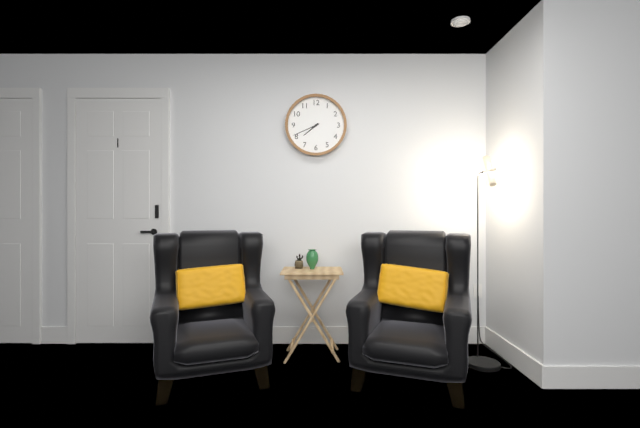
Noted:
**7:41**
